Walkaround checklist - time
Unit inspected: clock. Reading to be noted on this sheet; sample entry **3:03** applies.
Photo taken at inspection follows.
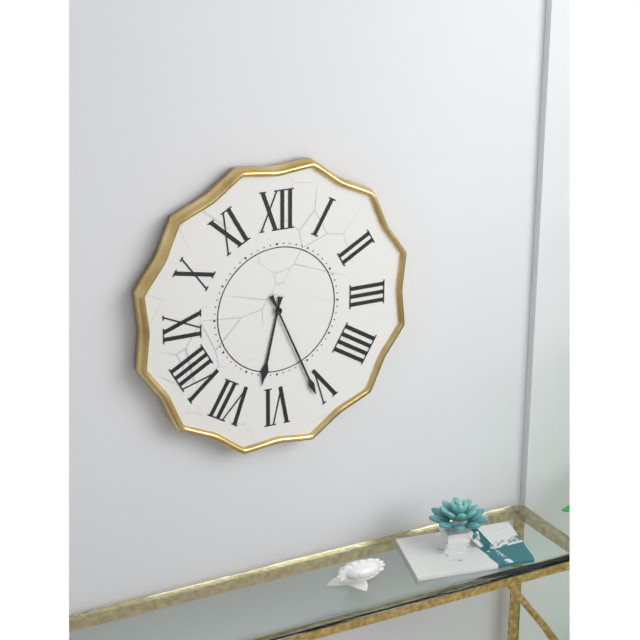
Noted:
**6:26**
